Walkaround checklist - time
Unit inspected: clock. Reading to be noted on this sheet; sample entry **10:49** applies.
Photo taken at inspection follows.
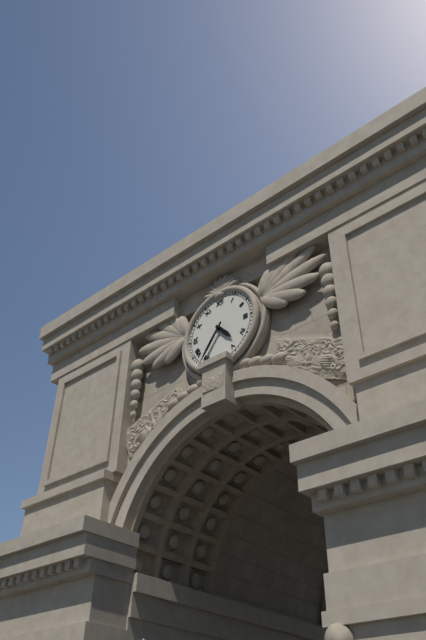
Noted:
**4:36**
